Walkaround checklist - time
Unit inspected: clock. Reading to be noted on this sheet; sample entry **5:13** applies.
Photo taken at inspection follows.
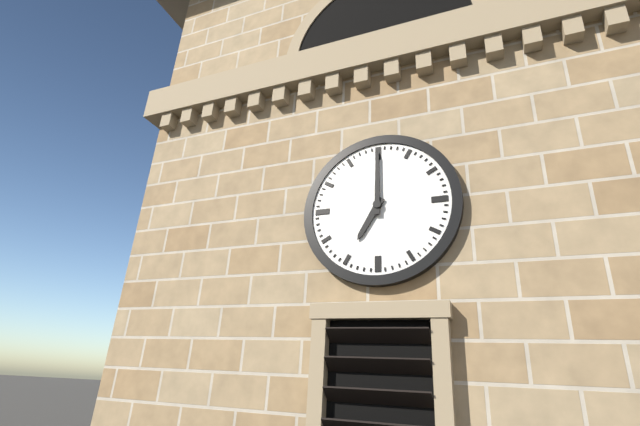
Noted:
**7:00**
